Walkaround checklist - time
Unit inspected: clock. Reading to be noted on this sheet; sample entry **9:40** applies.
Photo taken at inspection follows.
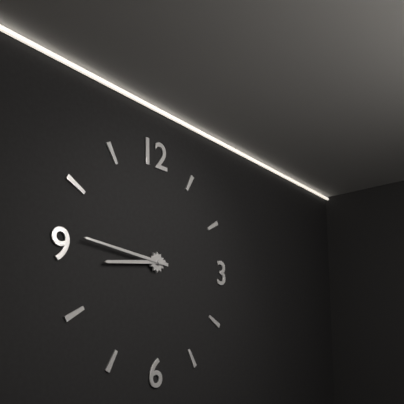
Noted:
**8:46**
